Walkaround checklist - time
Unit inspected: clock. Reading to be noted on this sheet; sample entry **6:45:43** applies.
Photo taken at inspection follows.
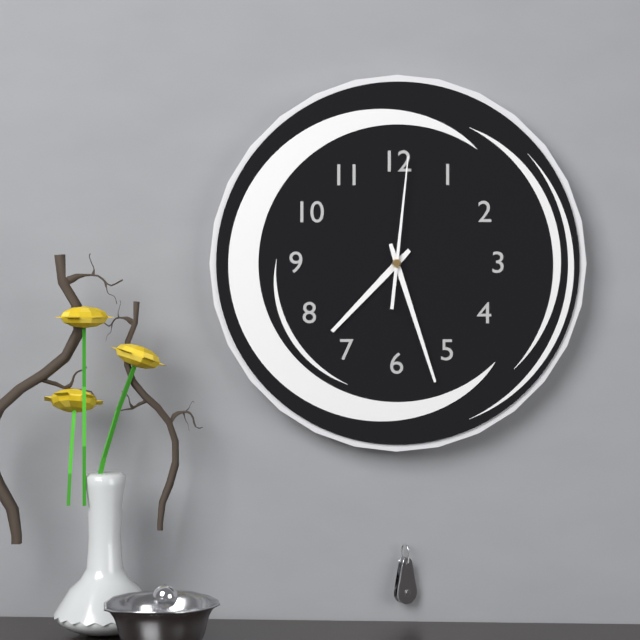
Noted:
**7:27:01**
